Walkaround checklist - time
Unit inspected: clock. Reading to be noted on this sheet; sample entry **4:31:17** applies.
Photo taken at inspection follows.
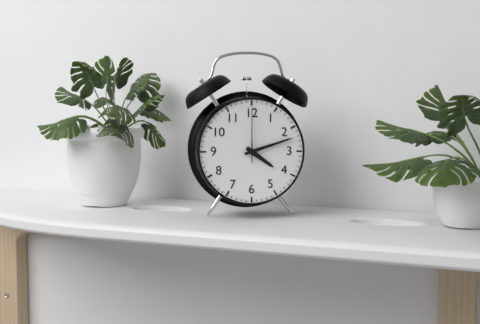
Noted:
**4:12:00**
